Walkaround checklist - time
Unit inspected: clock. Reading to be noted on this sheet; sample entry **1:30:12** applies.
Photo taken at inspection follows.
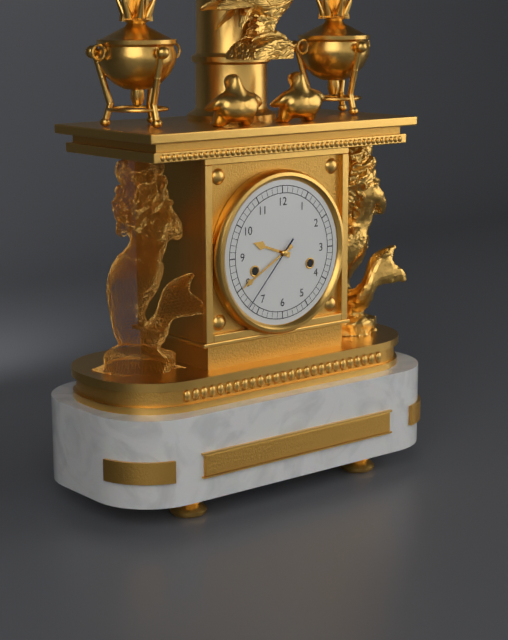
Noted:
**9:40:37**
